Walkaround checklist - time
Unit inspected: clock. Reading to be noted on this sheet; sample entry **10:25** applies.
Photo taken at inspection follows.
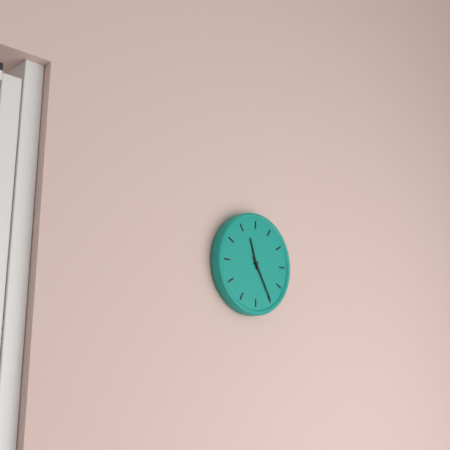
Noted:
**11:25**
